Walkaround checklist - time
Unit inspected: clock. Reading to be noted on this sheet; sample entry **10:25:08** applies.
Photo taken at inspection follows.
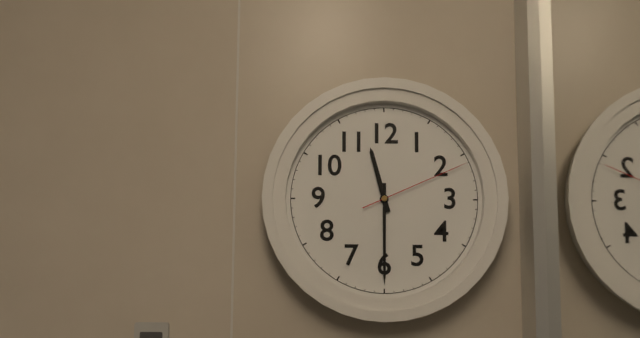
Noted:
**11:30:11**
